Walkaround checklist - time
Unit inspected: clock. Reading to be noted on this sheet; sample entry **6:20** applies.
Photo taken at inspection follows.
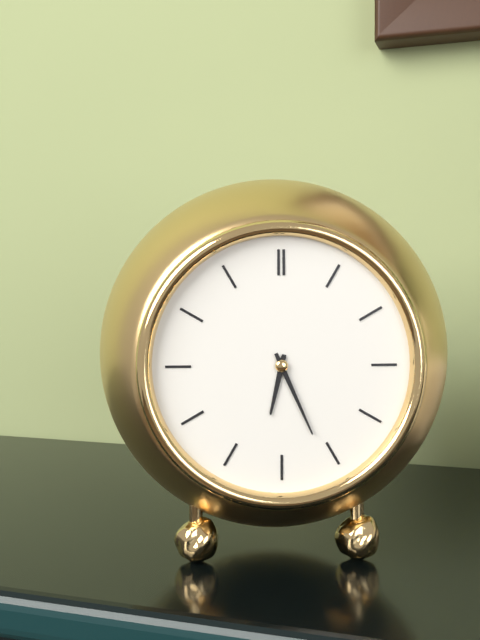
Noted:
**6:26**
